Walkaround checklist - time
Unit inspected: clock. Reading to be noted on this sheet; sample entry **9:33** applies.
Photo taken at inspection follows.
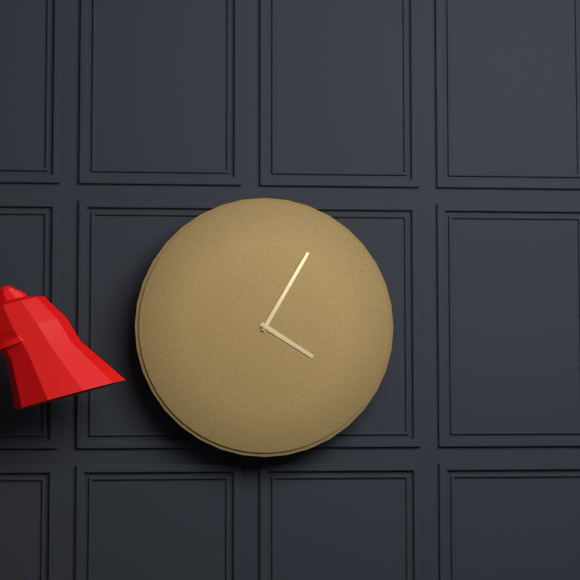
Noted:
**4:05**
